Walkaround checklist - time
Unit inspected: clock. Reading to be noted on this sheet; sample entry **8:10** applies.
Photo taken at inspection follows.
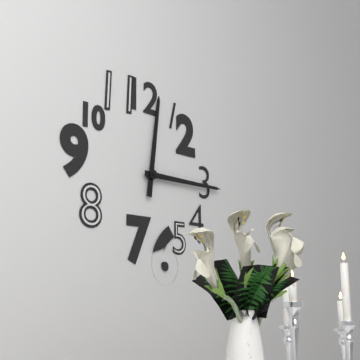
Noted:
**12:15**
